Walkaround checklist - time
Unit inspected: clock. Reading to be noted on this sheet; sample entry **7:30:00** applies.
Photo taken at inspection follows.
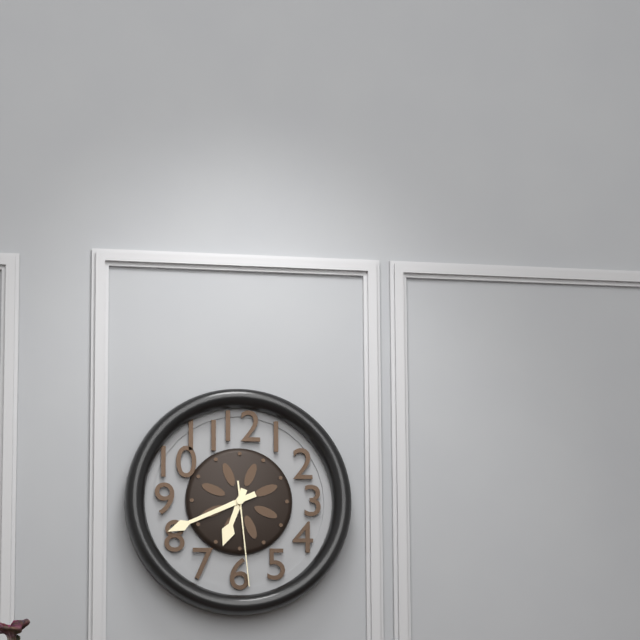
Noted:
**6:41:29**
